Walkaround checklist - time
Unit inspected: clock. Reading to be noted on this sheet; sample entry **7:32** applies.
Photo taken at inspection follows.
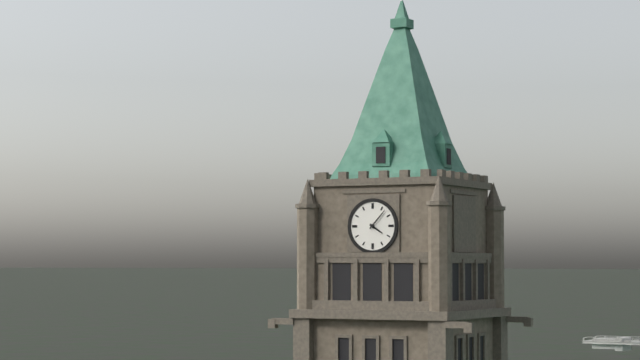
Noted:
**4:07**
